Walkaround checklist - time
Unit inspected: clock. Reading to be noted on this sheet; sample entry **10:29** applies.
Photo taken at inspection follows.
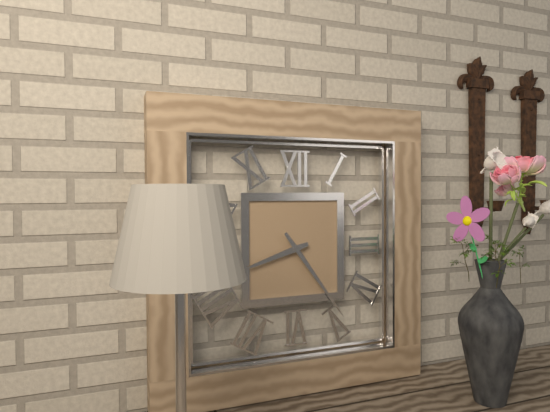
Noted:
**8:24**
